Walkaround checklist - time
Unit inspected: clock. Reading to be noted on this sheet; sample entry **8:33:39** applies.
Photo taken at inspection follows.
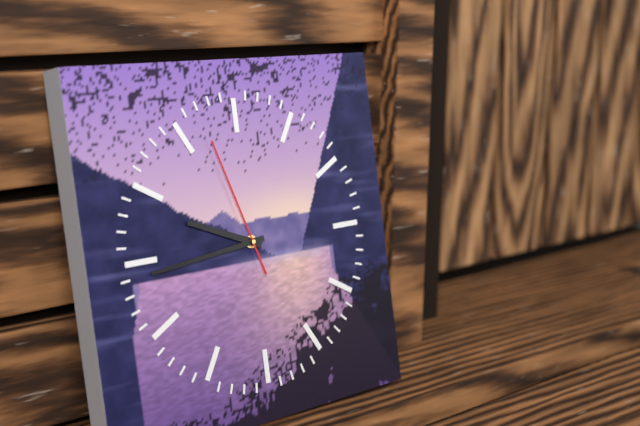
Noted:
**9:44:57**
